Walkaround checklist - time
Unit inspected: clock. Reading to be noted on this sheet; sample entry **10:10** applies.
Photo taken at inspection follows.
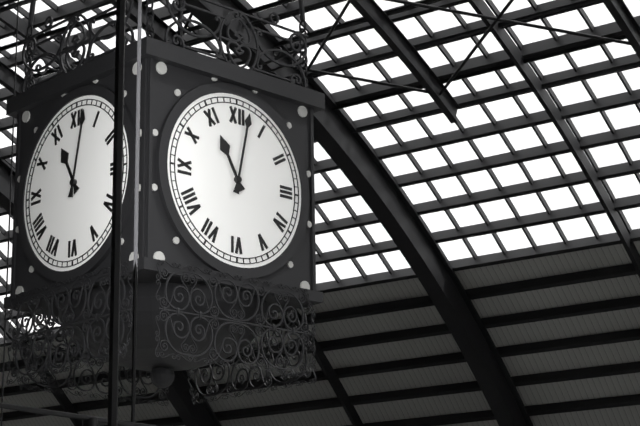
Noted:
**11:02**
